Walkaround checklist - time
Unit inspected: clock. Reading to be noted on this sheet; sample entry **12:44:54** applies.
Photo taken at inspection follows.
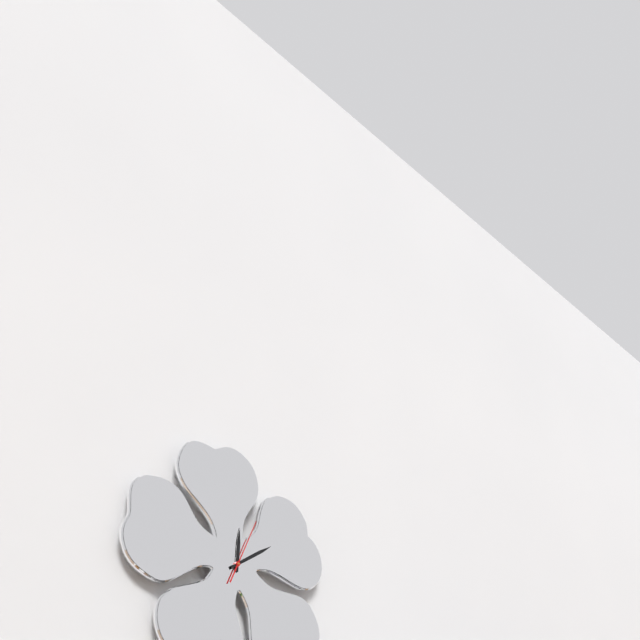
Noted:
**12:09:04**
